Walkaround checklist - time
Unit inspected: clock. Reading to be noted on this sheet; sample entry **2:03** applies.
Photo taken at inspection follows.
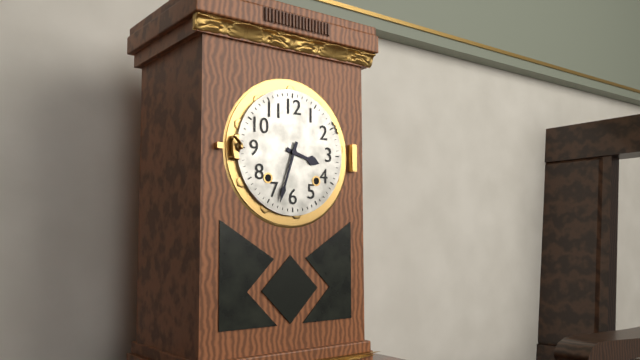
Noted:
**3:33**
